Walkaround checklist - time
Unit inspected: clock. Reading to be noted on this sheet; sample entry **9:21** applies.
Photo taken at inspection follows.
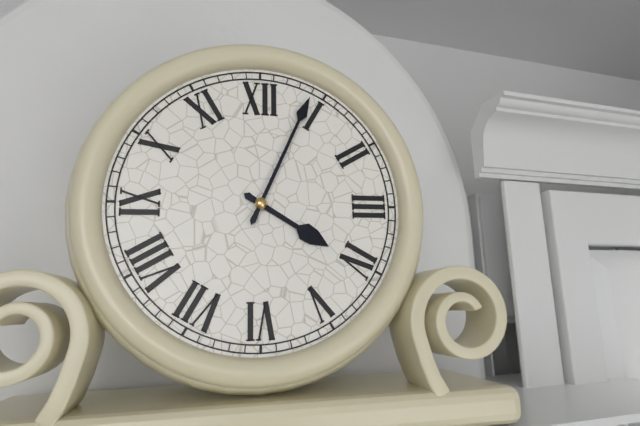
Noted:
**4:04**
